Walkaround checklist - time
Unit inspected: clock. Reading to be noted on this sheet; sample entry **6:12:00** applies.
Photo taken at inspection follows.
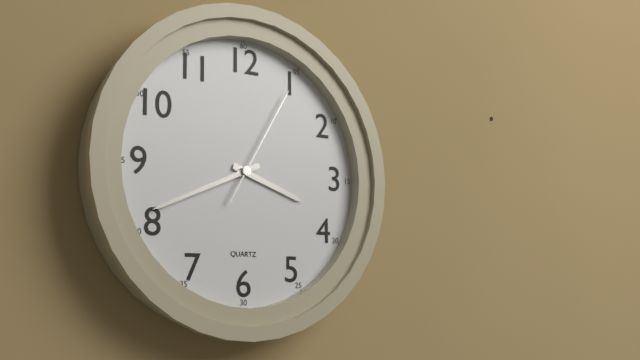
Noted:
**3:41:05**
